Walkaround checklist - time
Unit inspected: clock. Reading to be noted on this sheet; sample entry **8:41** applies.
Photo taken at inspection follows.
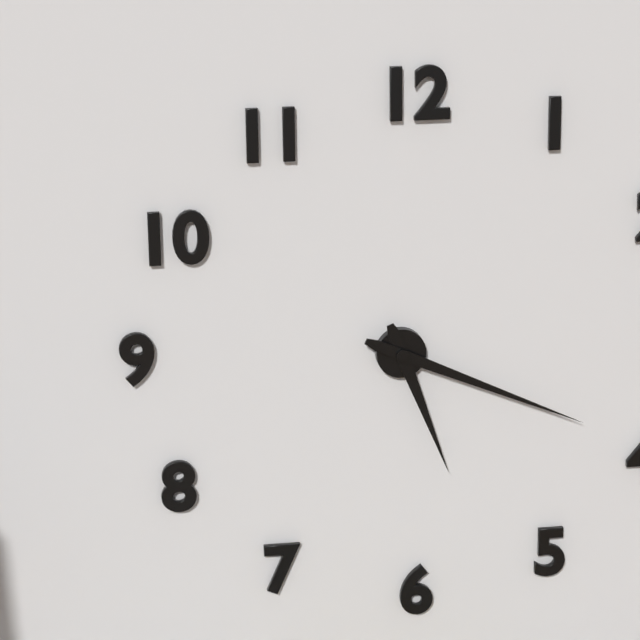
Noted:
**5:19**
